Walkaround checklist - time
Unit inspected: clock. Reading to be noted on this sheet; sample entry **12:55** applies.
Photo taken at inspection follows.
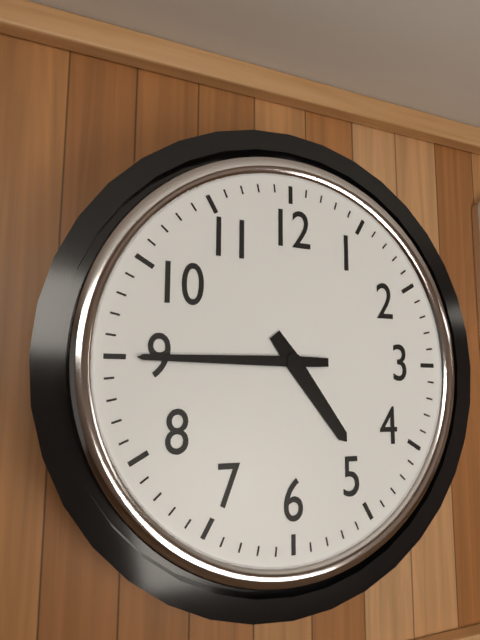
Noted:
**4:45**
